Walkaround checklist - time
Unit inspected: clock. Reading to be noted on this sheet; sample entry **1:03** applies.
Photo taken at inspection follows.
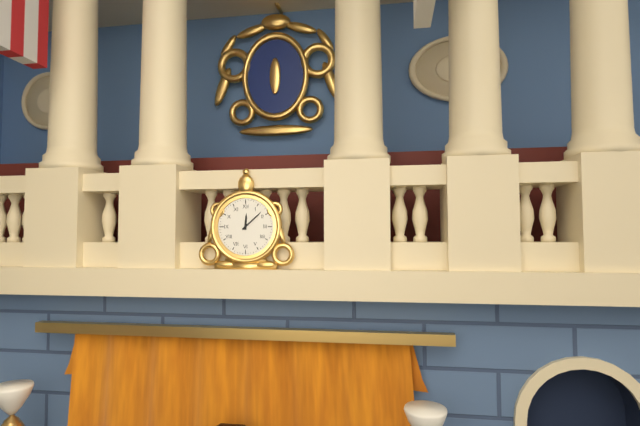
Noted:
**12:08**
